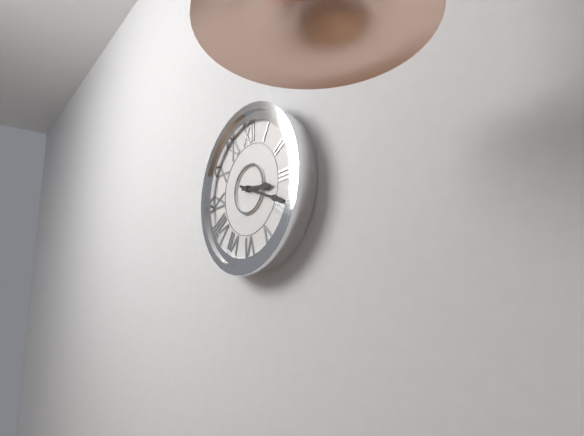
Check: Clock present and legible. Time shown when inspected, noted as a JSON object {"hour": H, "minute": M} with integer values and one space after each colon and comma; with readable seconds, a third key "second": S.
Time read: {"hour": 3, "minute": 19}
